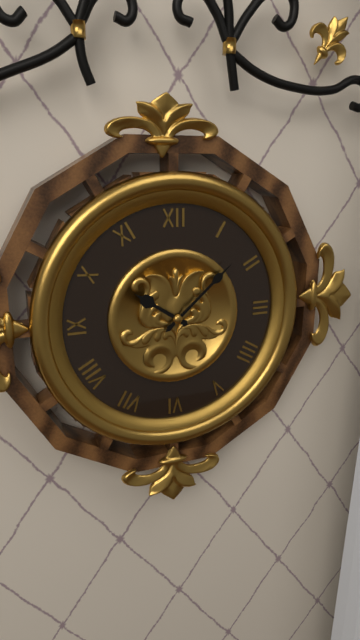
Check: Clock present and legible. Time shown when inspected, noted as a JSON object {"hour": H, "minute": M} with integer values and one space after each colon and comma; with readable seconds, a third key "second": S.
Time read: {"hour": 10, "minute": 8}
